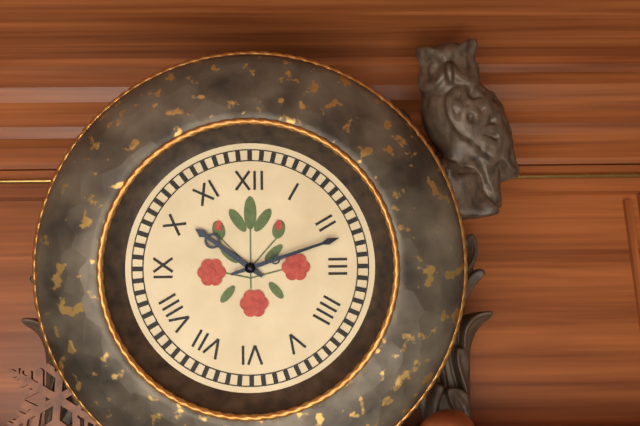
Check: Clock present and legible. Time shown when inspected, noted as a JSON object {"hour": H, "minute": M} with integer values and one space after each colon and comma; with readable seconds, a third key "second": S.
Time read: {"hour": 10, "minute": 12}
